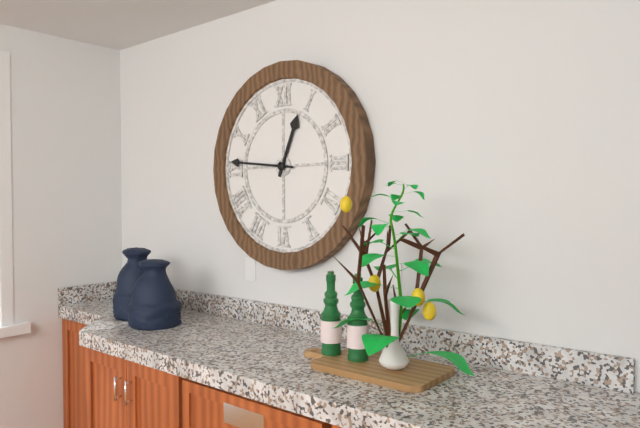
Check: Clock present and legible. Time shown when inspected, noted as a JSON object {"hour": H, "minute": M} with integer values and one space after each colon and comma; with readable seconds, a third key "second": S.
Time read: {"hour": 12, "minute": 46}
